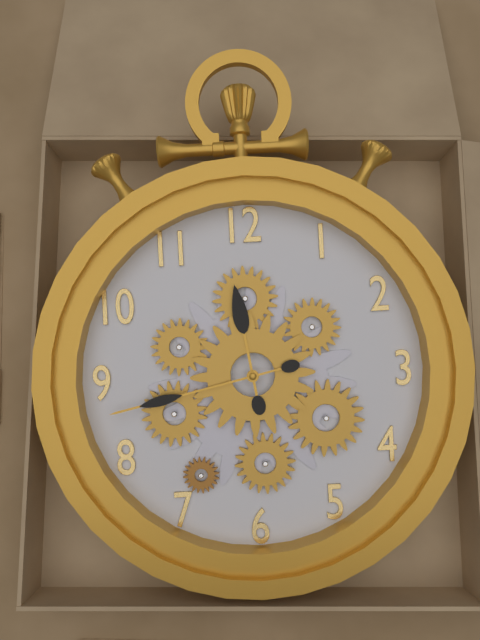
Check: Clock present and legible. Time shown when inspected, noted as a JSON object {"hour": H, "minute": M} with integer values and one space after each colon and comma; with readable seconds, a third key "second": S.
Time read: {"hour": 11, "minute": 43}
